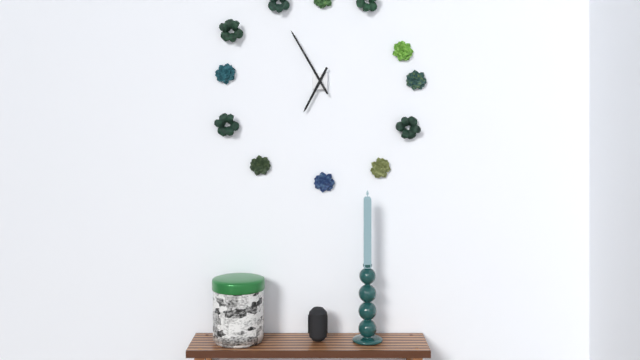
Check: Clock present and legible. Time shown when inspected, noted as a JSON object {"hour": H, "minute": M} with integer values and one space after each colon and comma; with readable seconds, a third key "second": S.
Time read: {"hour": 6, "minute": 55}
